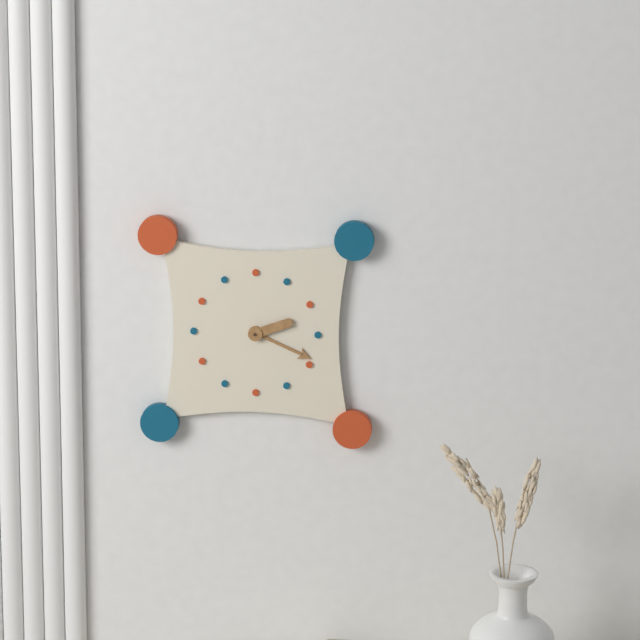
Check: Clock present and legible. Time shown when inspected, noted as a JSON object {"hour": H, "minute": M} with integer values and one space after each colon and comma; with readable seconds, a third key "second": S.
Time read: {"hour": 2, "minute": 19}
